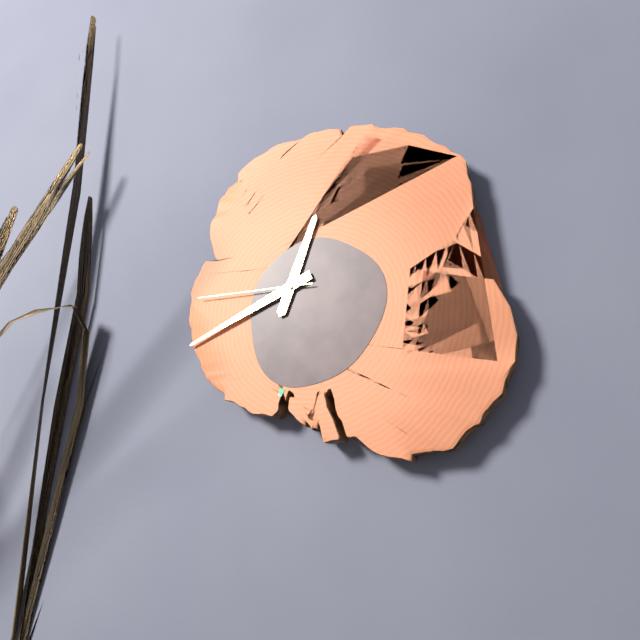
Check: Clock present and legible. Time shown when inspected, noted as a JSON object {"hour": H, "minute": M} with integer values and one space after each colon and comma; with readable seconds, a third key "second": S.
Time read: {"hour": 12, "minute": 41, "second": 45}
